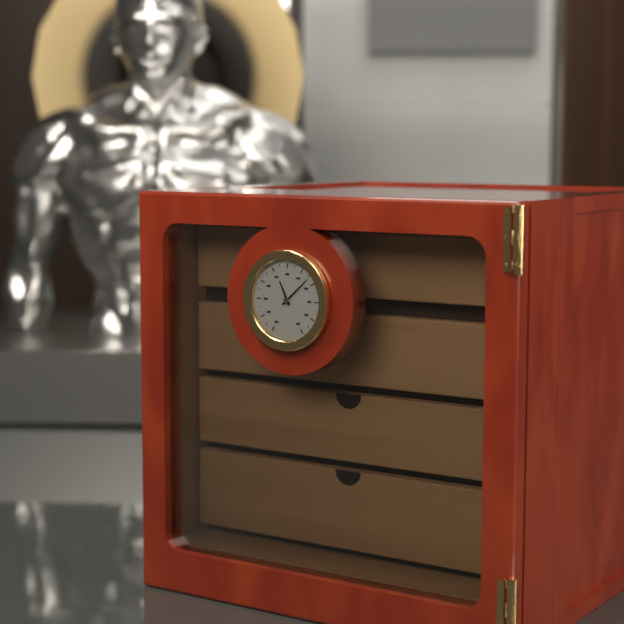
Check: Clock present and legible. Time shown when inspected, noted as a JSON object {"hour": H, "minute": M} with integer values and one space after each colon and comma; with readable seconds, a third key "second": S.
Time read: {"hour": 11, "minute": 8}
